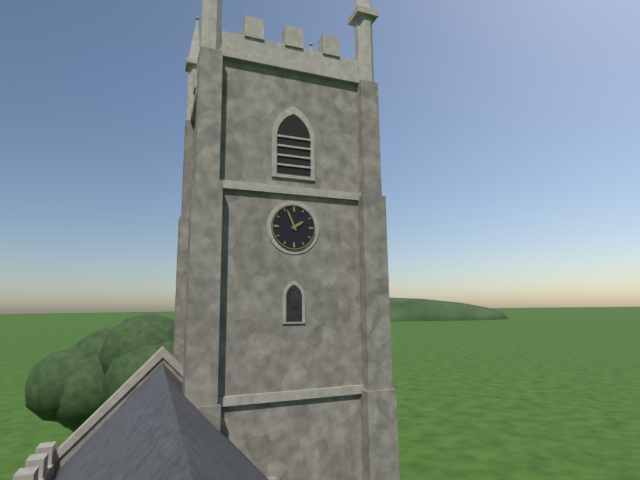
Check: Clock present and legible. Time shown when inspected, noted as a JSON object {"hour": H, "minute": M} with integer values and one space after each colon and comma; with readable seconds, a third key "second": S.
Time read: {"hour": 1, "minute": 56}
